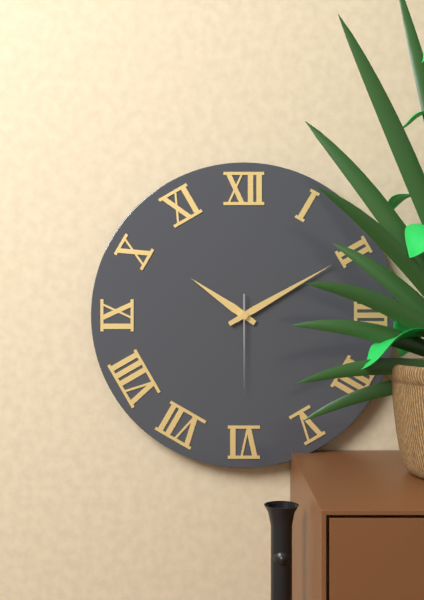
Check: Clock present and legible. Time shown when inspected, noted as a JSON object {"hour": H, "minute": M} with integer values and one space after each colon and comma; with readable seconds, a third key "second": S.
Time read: {"hour": 10, "minute": 10, "second": 30}
